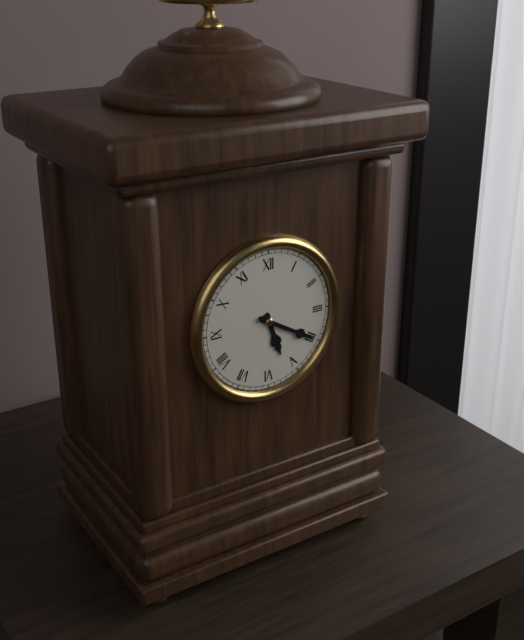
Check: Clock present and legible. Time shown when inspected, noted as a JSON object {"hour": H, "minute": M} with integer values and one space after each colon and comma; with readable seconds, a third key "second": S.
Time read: {"hour": 5, "minute": 20}
